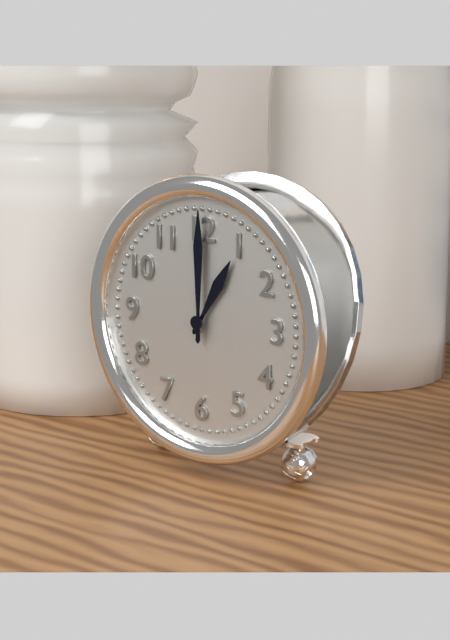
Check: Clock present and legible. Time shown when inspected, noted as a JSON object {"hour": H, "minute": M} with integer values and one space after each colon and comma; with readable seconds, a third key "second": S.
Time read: {"hour": 1, "minute": 0}
